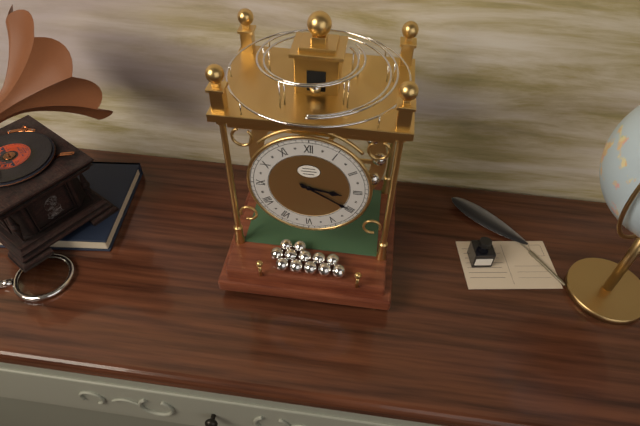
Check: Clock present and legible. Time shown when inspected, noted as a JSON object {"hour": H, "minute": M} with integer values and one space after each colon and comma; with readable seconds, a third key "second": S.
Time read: {"hour": 3, "minute": 20}
